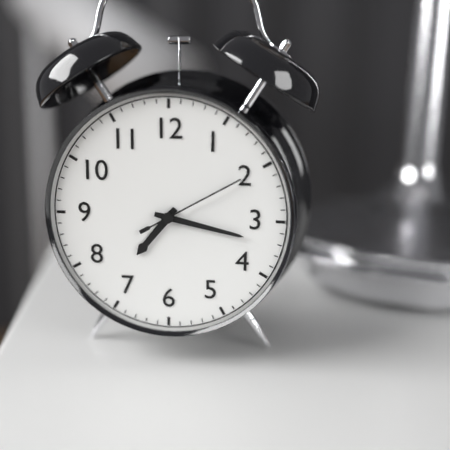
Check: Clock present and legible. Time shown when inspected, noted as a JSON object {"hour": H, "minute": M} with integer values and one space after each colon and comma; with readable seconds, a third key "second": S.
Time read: {"hour": 7, "minute": 17, "second": 10}
